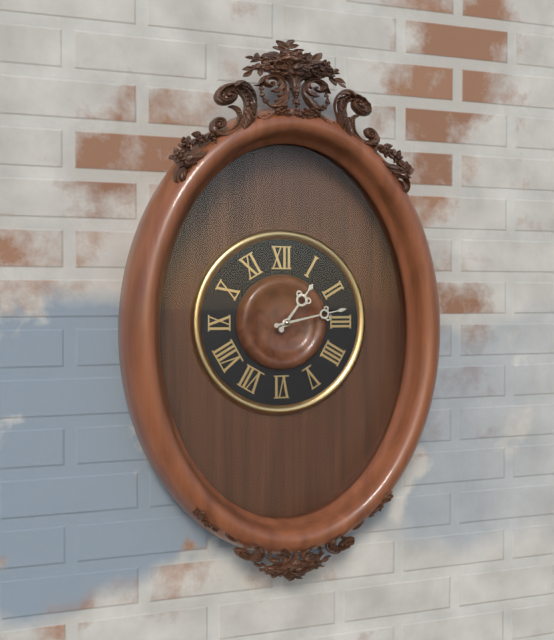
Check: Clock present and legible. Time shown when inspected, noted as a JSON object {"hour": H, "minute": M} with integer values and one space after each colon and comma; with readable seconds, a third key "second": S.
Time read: {"hour": 1, "minute": 13}
